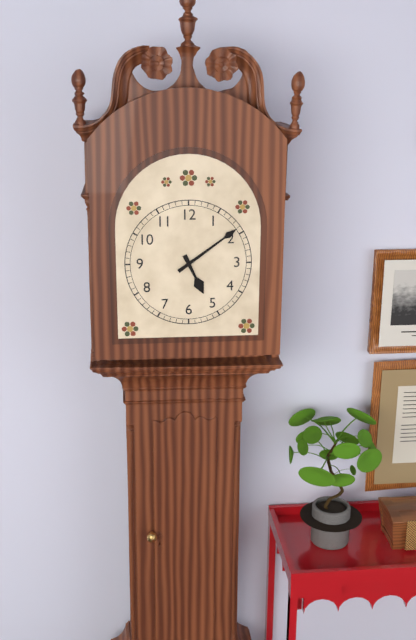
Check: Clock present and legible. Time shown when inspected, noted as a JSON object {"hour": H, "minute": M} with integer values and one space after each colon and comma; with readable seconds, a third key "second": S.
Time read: {"hour": 5, "minute": 9}
